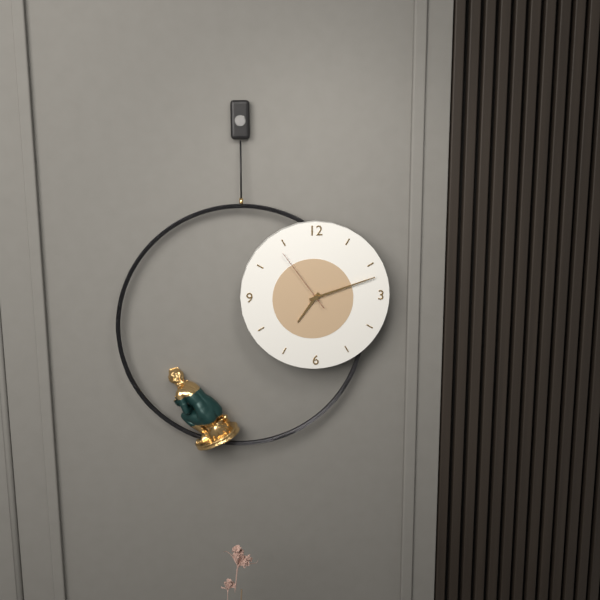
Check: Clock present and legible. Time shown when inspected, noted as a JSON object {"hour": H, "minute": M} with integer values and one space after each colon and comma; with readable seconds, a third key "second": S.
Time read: {"hour": 7, "minute": 12, "second": 54}
